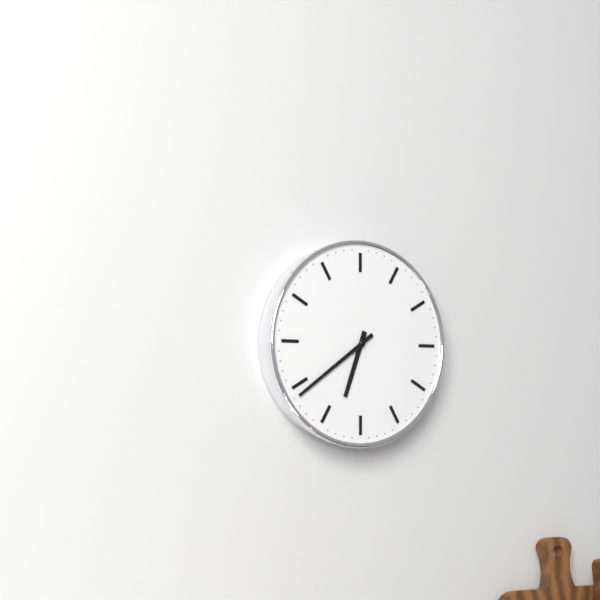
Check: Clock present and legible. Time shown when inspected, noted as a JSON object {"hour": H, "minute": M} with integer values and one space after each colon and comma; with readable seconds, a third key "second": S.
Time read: {"hour": 6, "minute": 39}
